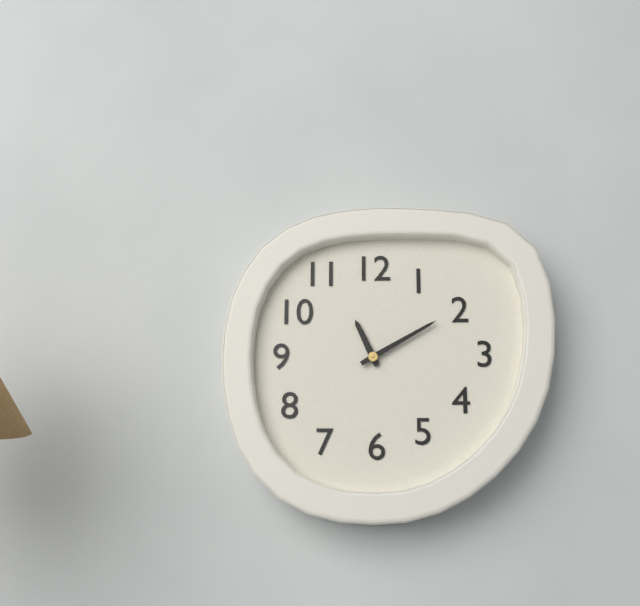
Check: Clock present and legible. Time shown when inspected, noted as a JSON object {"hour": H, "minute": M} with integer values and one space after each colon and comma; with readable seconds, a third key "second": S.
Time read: {"hour": 11, "minute": 10}
